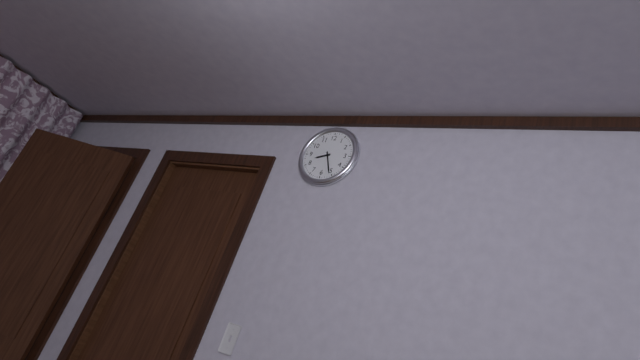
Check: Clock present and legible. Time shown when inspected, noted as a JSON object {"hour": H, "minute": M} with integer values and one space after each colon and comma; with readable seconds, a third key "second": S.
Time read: {"hour": 8, "minute": 26}
